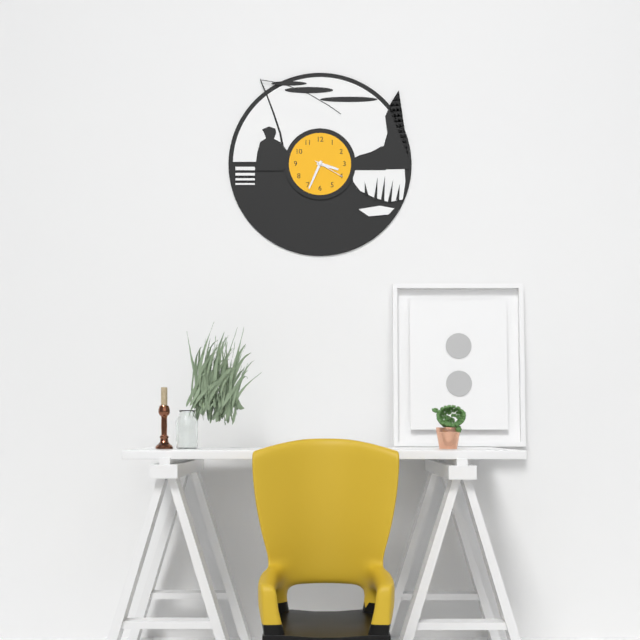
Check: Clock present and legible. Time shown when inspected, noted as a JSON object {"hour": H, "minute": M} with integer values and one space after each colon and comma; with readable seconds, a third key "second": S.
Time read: {"hour": 3, "minute": 34}
